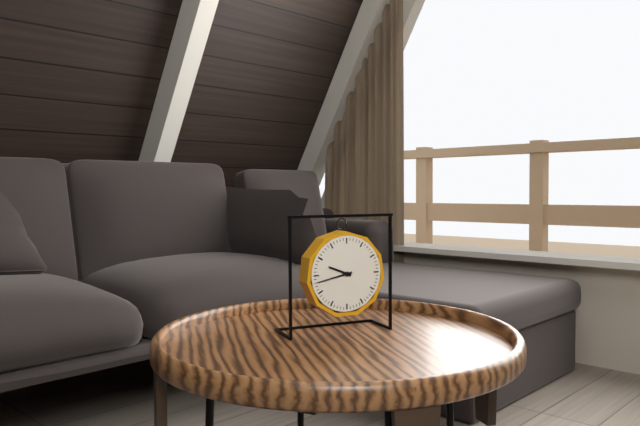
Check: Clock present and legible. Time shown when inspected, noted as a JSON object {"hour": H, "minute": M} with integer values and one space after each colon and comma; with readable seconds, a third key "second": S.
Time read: {"hour": 9, "minute": 43}
